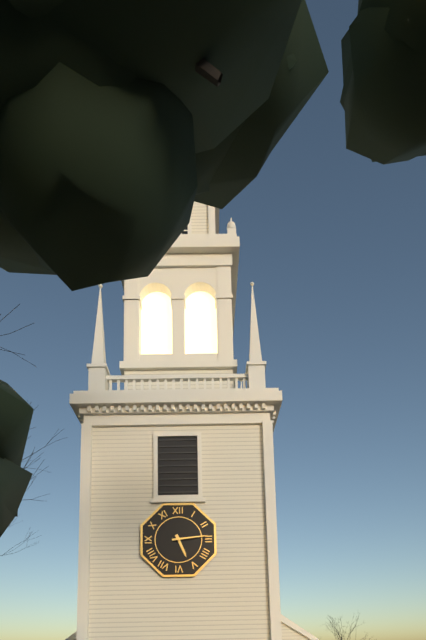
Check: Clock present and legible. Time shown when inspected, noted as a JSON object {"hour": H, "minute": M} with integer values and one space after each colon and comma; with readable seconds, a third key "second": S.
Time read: {"hour": 5, "minute": 14}
